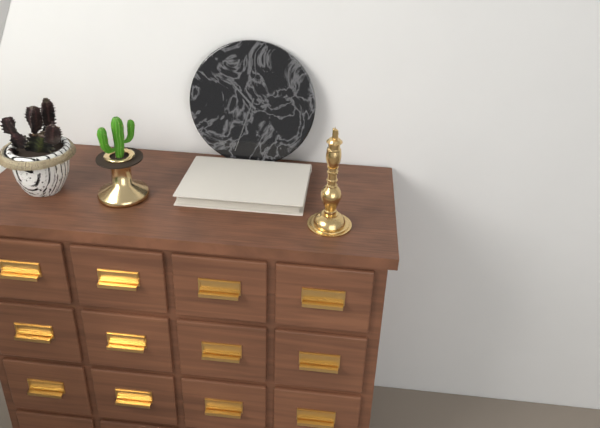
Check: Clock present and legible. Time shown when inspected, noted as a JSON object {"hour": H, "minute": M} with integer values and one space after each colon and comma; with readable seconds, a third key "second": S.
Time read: {"hour": 10, "minute": 33}
